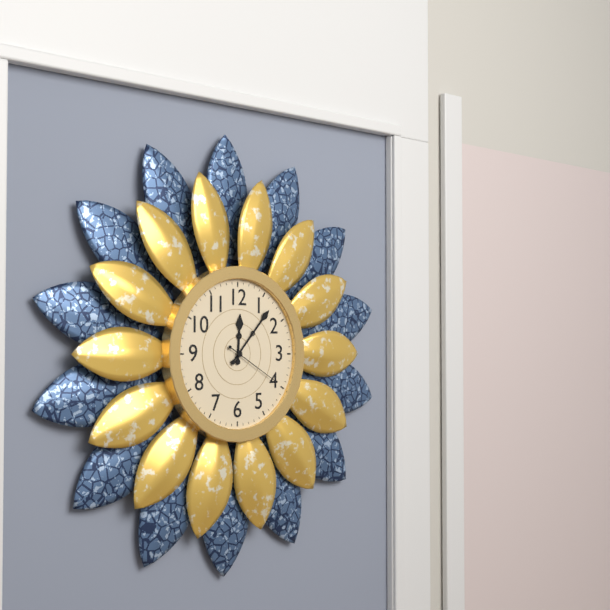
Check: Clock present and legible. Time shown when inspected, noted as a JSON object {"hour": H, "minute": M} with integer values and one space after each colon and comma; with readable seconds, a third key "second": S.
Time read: {"hour": 12, "minute": 7, "second": 20}
